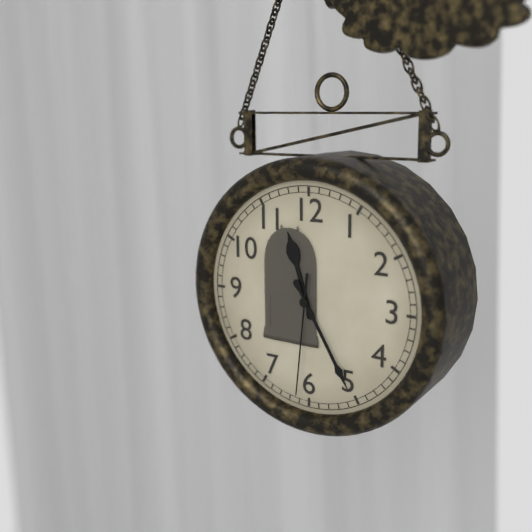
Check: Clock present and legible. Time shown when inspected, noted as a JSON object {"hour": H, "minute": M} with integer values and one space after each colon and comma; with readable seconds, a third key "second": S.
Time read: {"hour": 11, "minute": 25, "second": 31}
